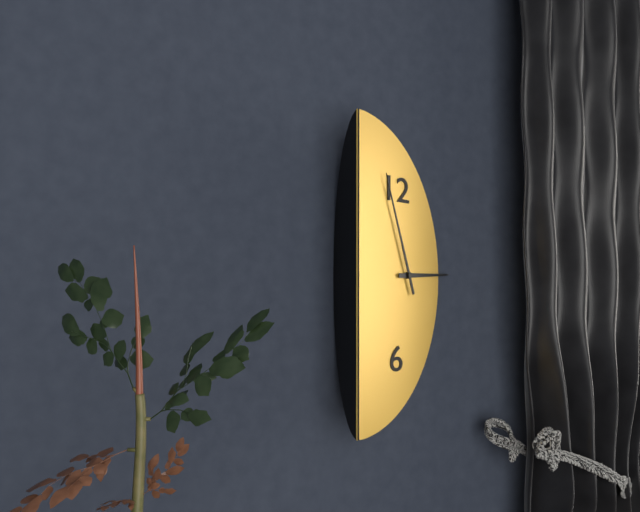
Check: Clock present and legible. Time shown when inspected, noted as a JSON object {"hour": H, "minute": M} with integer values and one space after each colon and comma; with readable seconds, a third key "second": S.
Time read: {"hour": 2, "minute": 56}
